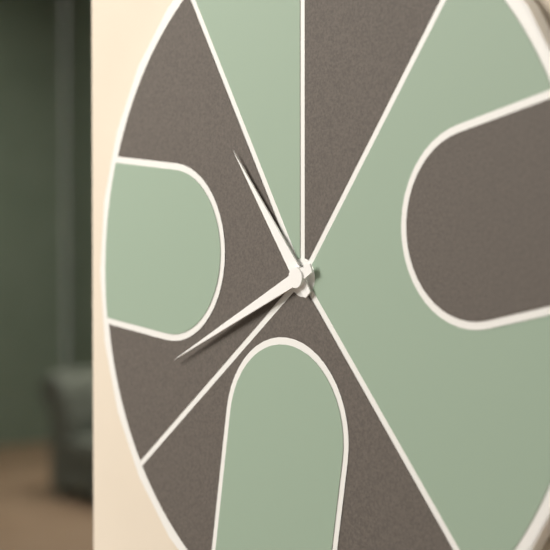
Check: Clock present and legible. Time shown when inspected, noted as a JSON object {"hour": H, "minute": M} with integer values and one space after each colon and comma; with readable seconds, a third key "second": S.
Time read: {"hour": 10, "minute": 41}
